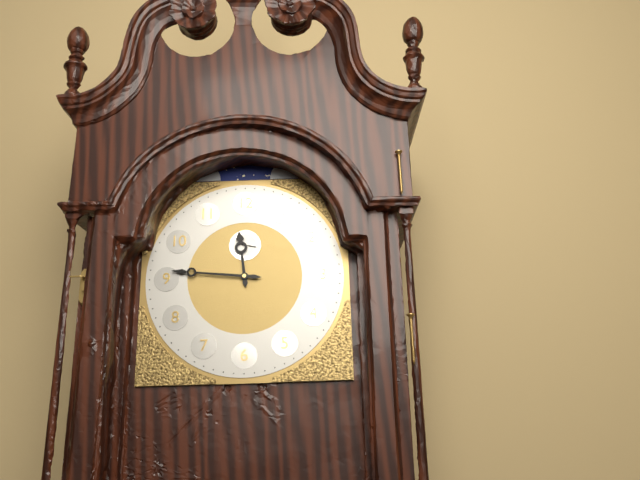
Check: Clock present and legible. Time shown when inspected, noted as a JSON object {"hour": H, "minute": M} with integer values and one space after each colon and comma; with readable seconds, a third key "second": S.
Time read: {"hour": 11, "minute": 46}
